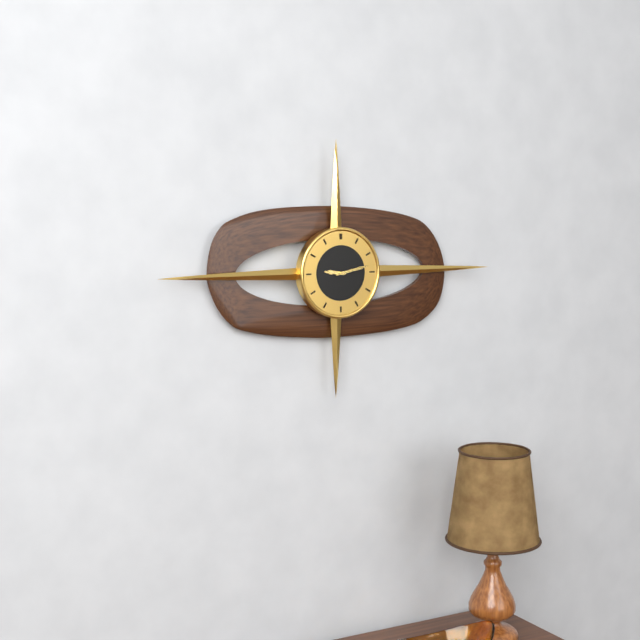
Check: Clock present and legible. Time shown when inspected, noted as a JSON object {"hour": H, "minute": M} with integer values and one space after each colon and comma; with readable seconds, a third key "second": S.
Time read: {"hour": 9, "minute": 13}
